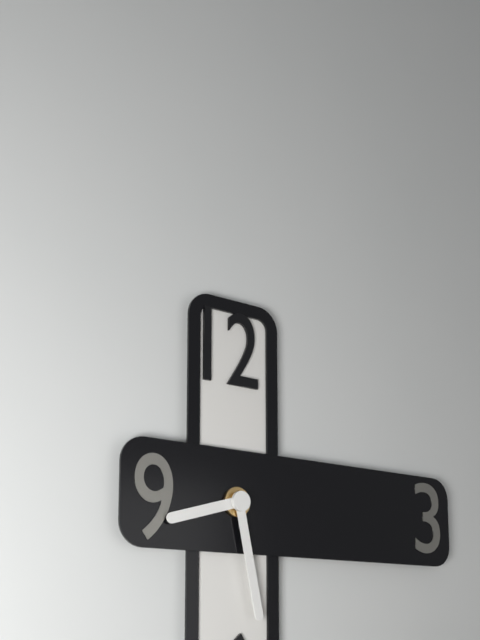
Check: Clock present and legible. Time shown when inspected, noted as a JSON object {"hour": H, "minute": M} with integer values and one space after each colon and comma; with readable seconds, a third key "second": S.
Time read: {"hour": 8, "minute": 28}
